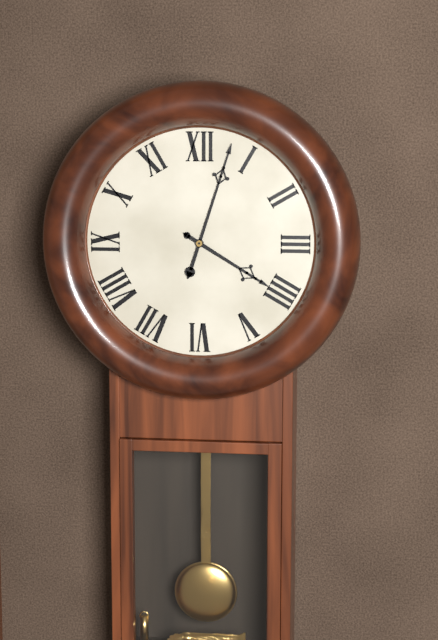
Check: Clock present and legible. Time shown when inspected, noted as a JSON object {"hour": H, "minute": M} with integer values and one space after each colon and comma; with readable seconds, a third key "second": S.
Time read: {"hour": 4, "minute": 3}
